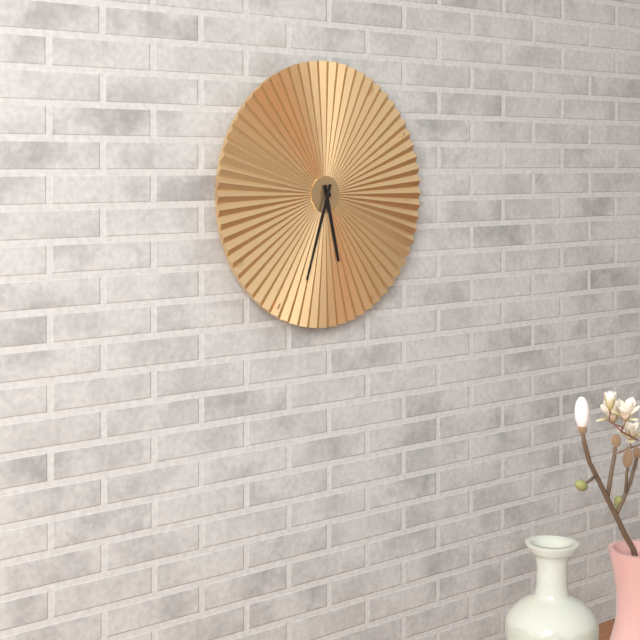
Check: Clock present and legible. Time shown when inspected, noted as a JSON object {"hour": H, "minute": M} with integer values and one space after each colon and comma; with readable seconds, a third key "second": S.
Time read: {"hour": 5, "minute": 33}
